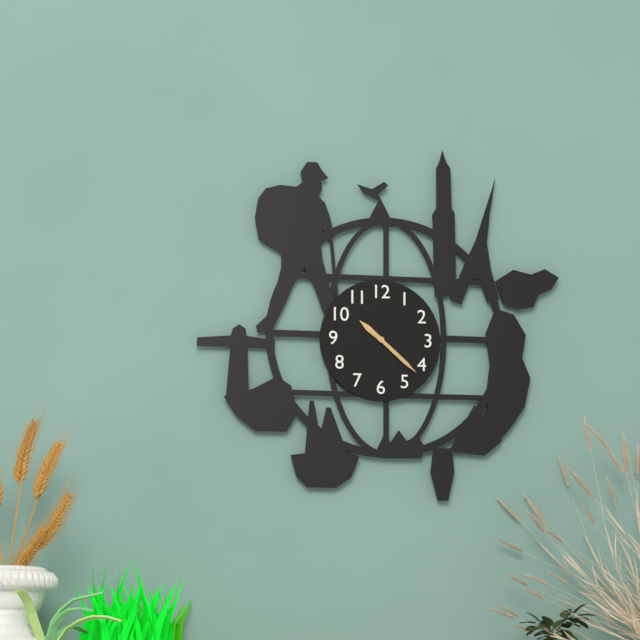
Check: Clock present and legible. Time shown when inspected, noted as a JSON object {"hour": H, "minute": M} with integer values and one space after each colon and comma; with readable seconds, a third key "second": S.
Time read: {"hour": 10, "minute": 22}
